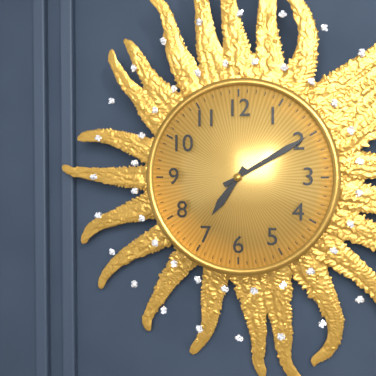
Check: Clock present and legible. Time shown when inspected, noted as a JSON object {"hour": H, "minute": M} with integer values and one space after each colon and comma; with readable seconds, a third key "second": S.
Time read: {"hour": 7, "minute": 10}
